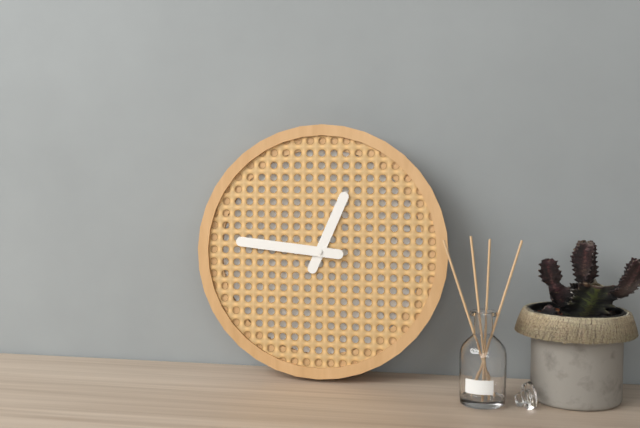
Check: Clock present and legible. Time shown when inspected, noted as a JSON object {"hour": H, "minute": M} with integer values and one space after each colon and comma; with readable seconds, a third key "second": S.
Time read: {"hour": 12, "minute": 46}
